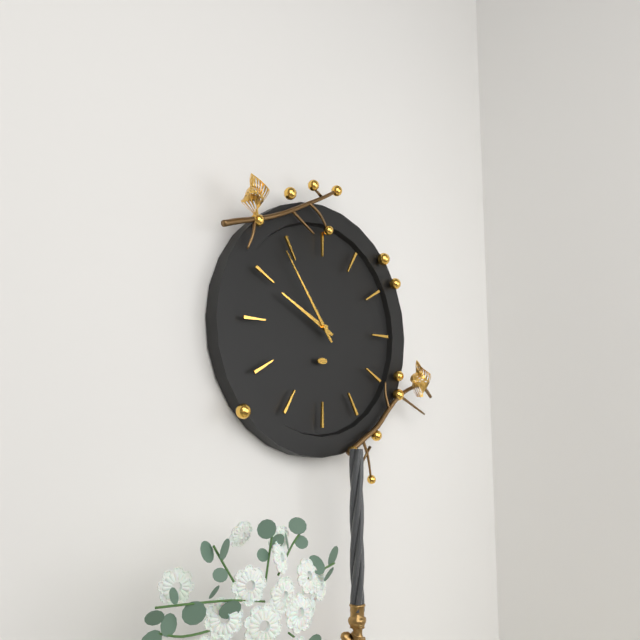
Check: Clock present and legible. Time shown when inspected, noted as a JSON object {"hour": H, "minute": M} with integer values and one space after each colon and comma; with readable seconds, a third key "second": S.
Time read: {"hour": 9, "minute": 54}
